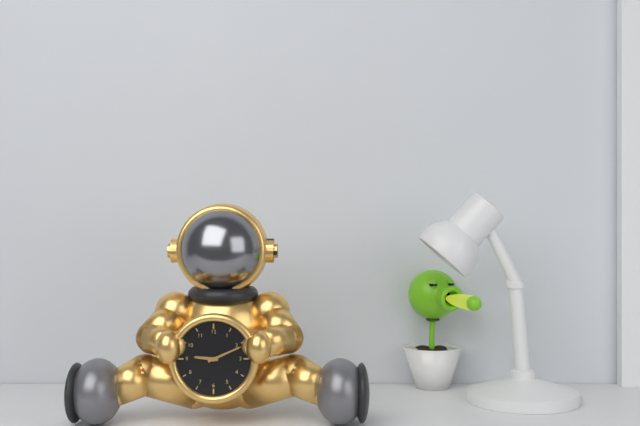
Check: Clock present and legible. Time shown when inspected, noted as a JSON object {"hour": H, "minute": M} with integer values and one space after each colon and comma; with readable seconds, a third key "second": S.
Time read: {"hour": 9, "minute": 11}
